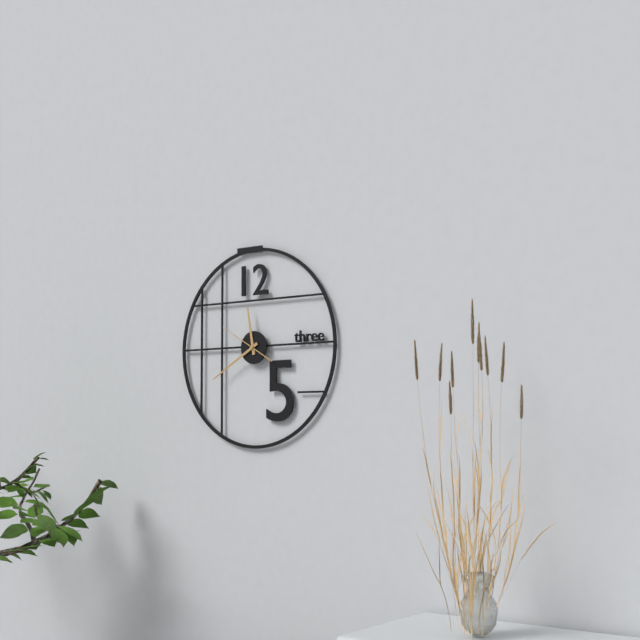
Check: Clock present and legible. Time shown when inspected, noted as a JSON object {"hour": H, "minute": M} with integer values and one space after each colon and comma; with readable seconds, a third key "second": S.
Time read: {"hour": 11, "minute": 40}
